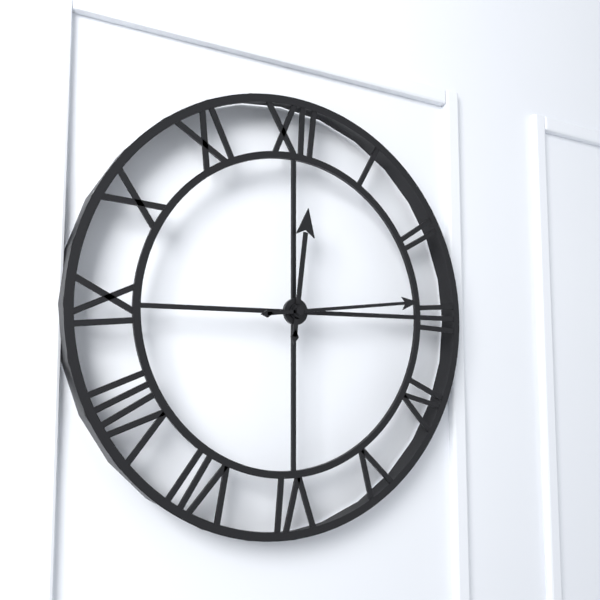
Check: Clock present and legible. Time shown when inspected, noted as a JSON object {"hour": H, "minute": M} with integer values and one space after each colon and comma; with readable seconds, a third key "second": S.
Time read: {"hour": 12, "minute": 14}
